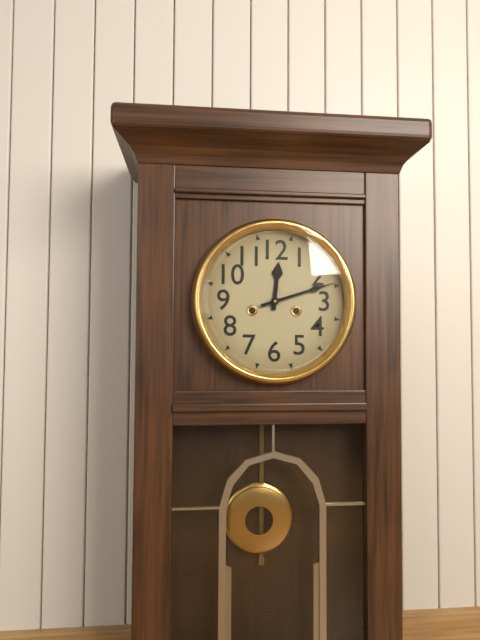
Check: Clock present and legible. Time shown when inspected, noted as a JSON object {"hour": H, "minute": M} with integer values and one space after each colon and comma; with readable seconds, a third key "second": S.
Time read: {"hour": 12, "minute": 12}
